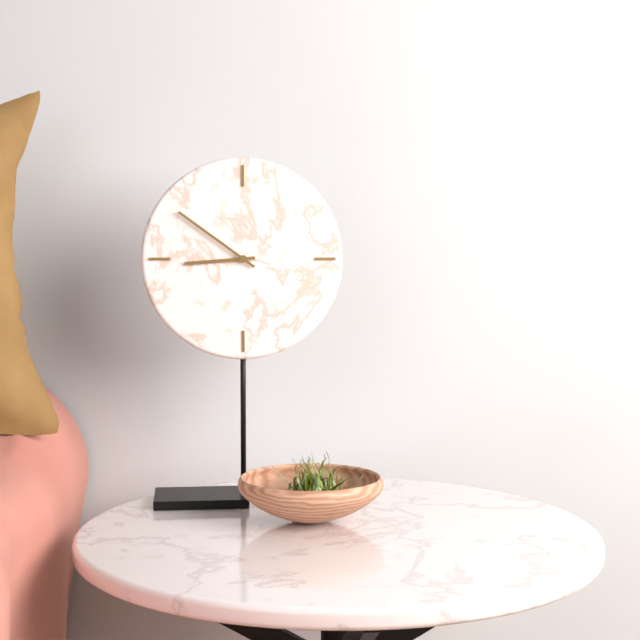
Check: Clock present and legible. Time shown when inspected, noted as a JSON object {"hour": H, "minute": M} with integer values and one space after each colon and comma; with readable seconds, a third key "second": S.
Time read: {"hour": 8, "minute": 51}
